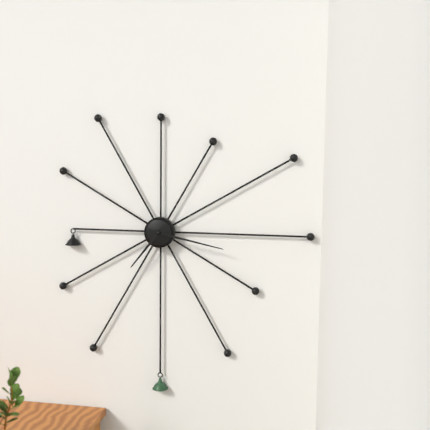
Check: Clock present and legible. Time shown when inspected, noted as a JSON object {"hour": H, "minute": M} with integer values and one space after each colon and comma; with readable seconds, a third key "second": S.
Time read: {"hour": 7, "minute": 17}
